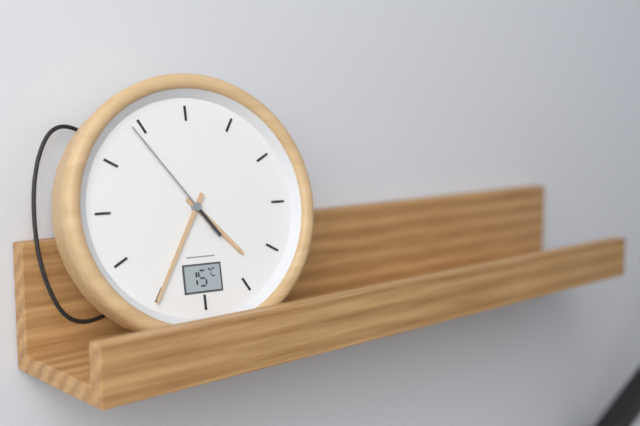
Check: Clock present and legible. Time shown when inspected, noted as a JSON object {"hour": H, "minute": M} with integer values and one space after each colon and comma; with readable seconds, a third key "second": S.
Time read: {"hour": 4, "minute": 35, "second": 54}
